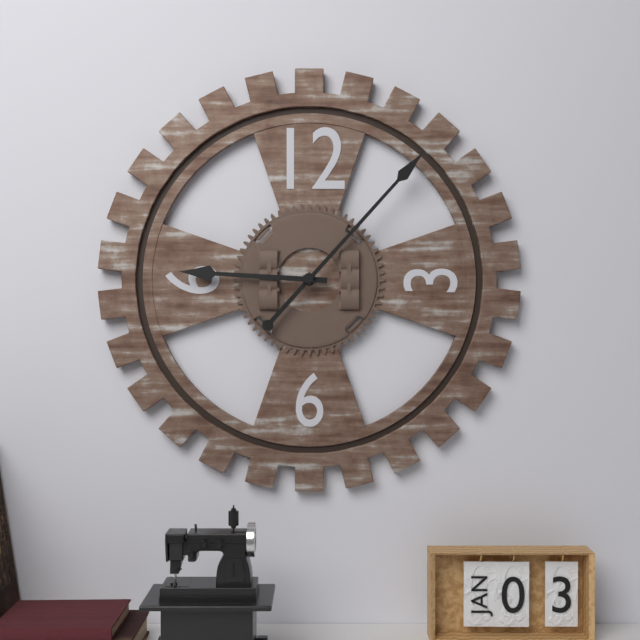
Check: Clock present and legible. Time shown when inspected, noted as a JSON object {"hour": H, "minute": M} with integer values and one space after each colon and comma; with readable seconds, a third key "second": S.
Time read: {"hour": 9, "minute": 7}
